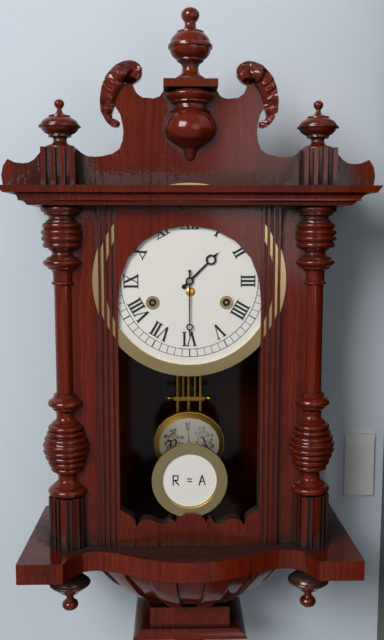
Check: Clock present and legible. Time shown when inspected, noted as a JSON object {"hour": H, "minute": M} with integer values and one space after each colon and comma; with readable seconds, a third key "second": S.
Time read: {"hour": 1, "minute": 30}
